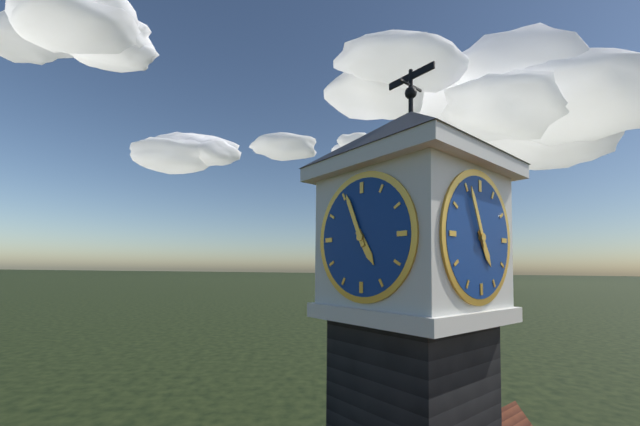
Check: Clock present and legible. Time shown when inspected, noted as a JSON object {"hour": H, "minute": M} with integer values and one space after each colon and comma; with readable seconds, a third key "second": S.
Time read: {"hour": 4, "minute": 56}
